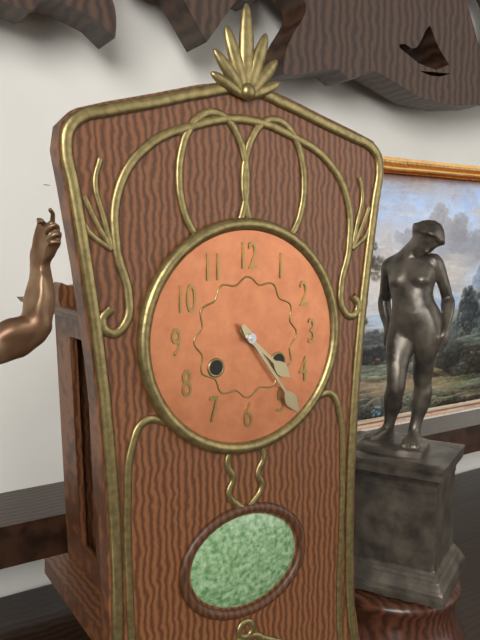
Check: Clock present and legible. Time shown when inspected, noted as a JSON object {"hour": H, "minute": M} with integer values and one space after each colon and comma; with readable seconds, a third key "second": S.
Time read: {"hour": 4, "minute": 24}
